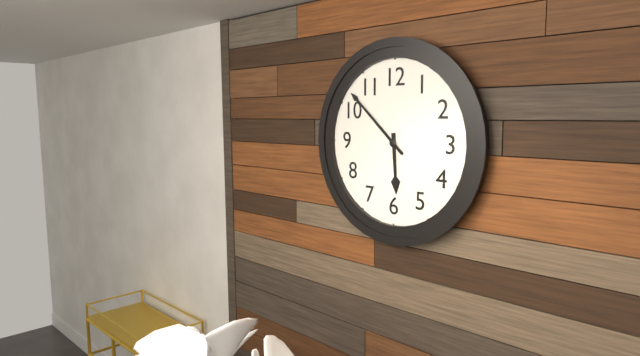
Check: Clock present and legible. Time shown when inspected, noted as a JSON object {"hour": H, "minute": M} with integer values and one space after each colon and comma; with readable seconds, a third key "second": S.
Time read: {"hour": 5, "minute": 52}
